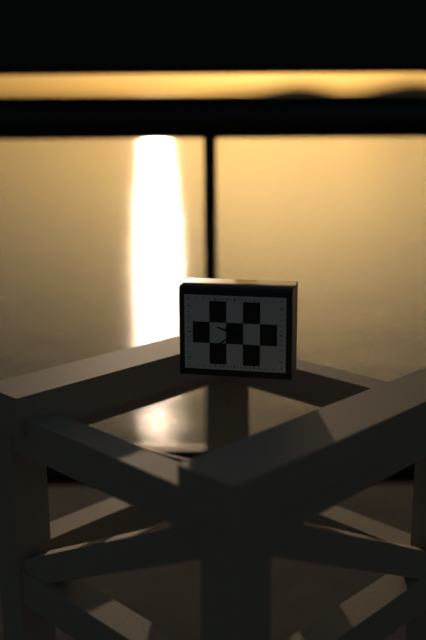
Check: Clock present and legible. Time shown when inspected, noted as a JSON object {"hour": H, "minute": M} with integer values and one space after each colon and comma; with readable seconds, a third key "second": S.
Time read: {"hour": 9, "minute": 39}
